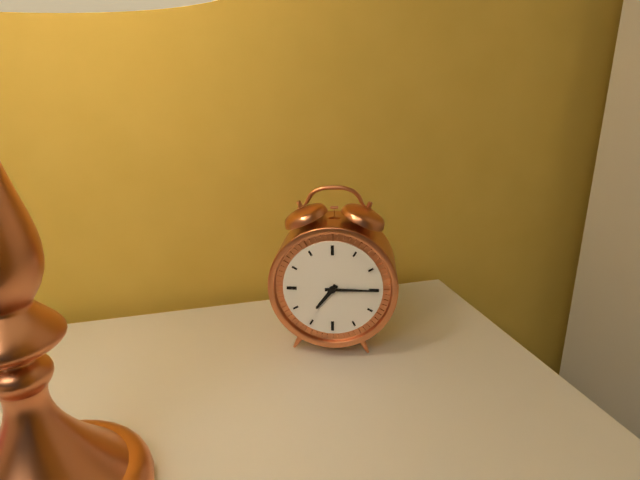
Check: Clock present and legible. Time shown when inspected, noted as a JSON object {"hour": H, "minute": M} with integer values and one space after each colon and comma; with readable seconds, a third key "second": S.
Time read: {"hour": 7, "minute": 15}
